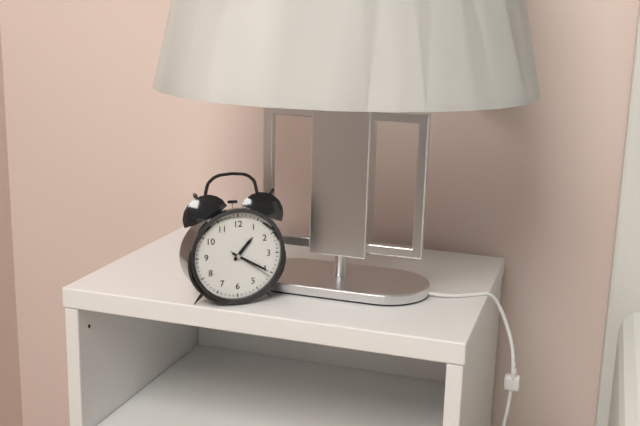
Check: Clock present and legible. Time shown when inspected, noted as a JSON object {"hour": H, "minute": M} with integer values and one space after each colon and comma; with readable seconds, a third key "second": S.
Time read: {"hour": 1, "minute": 20}
